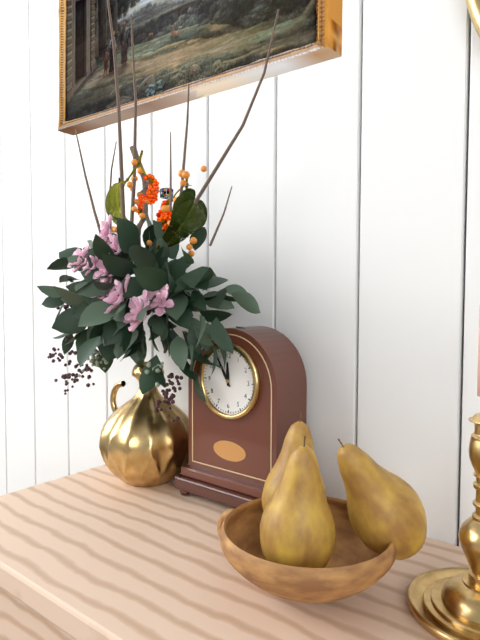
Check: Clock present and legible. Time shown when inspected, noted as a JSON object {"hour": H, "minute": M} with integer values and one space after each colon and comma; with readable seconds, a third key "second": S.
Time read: {"hour": 11, "minute": 55}
